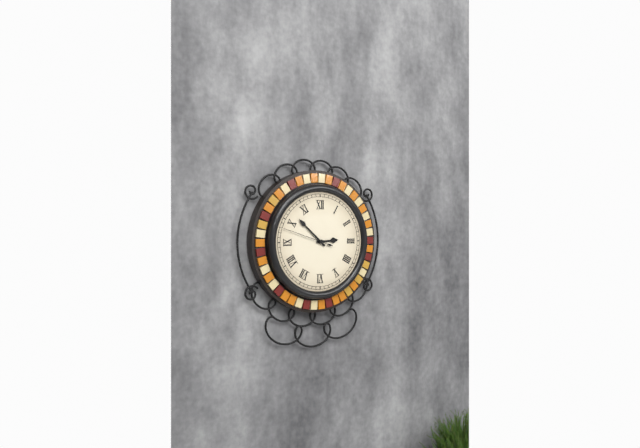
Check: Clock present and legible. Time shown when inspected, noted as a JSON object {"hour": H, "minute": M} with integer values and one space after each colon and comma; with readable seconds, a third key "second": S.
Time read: {"hour": 2, "minute": 52}
